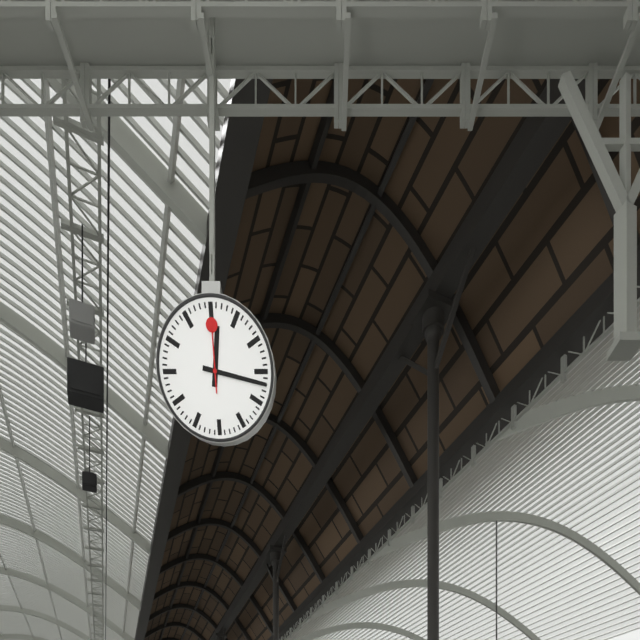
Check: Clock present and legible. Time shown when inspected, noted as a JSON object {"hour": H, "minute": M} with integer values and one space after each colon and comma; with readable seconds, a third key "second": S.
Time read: {"hour": 12, "minute": 17, "second": 0}
